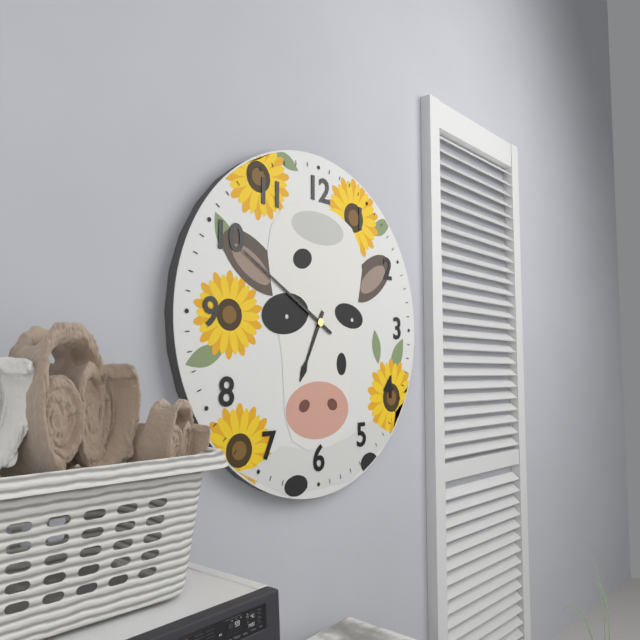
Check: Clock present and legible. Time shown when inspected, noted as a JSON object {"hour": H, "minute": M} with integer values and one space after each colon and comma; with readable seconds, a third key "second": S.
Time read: {"hour": 6, "minute": 50}
